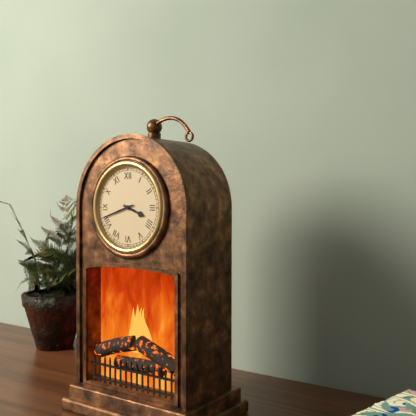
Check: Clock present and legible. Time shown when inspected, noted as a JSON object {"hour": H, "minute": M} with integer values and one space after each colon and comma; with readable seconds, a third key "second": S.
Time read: {"hour": 3, "minute": 42}
